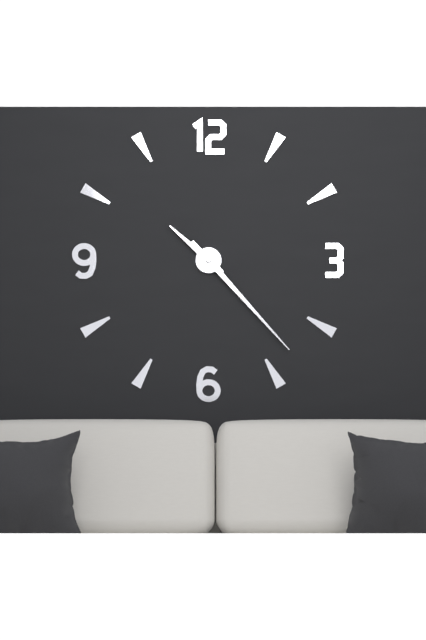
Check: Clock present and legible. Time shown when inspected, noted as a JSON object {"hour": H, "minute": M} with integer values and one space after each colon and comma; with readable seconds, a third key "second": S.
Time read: {"hour": 10, "minute": 23}
